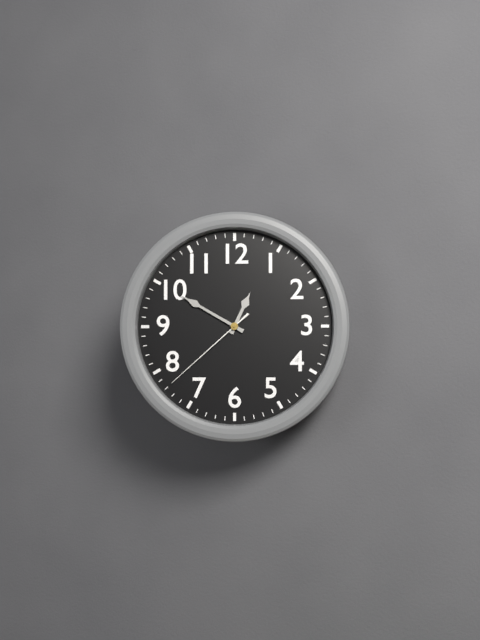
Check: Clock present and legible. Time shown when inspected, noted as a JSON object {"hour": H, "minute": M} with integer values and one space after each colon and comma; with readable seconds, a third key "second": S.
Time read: {"hour": 12, "minute": 50, "second": 38}
